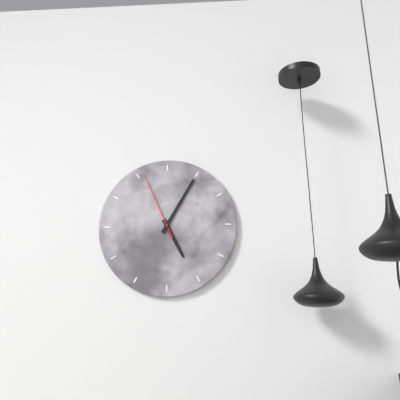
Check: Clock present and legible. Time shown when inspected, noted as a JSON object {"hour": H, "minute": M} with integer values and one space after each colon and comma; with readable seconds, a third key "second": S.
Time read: {"hour": 5, "minute": 5, "second": 56}
